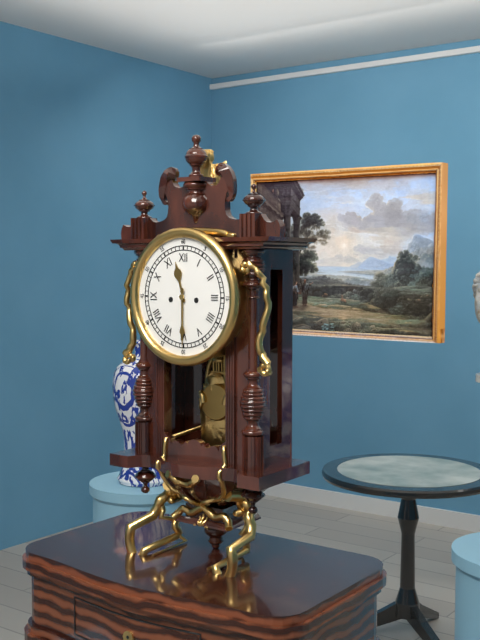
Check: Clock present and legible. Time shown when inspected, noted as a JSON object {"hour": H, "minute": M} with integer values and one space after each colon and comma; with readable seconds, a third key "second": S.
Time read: {"hour": 11, "minute": 30}
